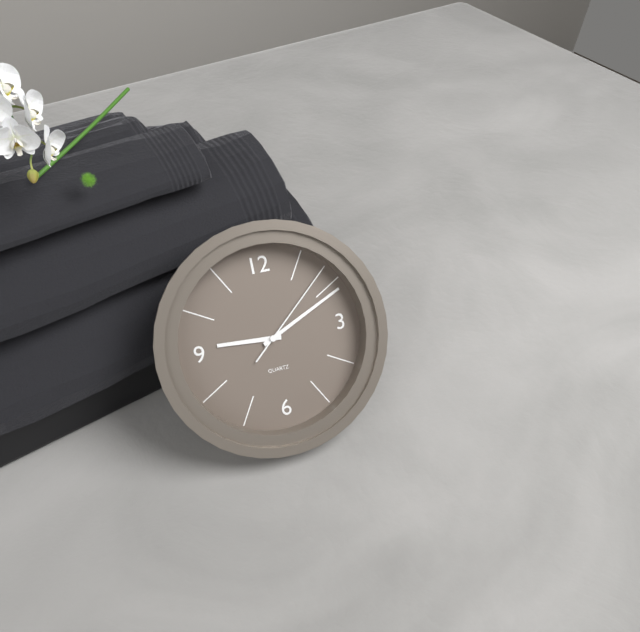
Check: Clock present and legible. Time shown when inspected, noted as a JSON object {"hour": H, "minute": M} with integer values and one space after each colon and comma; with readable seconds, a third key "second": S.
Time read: {"hour": 9, "minute": 11, "second": 8}
